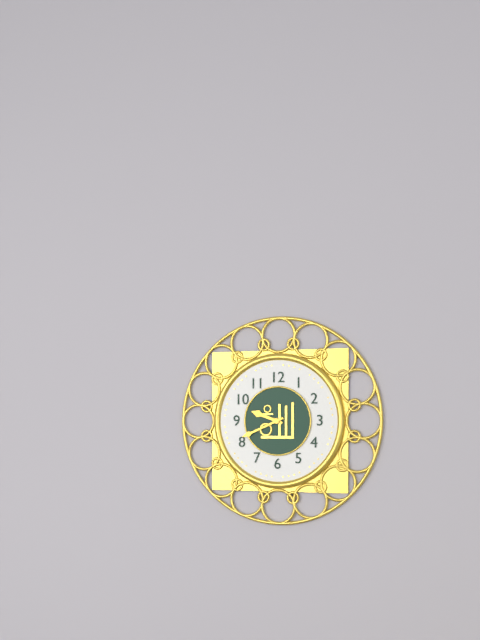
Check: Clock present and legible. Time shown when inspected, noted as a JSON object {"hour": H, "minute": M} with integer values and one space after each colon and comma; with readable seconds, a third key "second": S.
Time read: {"hour": 9, "minute": 41}
